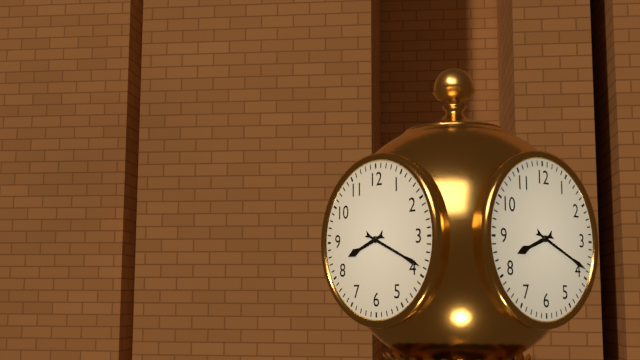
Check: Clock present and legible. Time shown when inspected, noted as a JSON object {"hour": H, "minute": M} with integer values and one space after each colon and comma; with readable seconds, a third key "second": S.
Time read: {"hour": 8, "minute": 19}
